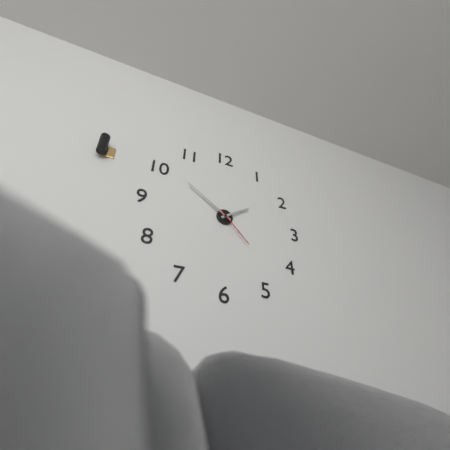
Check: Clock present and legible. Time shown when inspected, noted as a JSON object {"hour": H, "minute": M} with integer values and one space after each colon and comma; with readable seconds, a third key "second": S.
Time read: {"hour": 1, "minute": 51}
